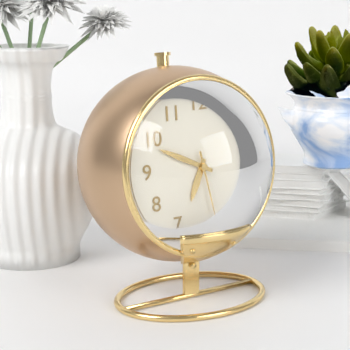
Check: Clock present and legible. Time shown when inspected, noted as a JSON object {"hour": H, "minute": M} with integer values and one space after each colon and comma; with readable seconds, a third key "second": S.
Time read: {"hour": 6, "minute": 49, "second": 28}
